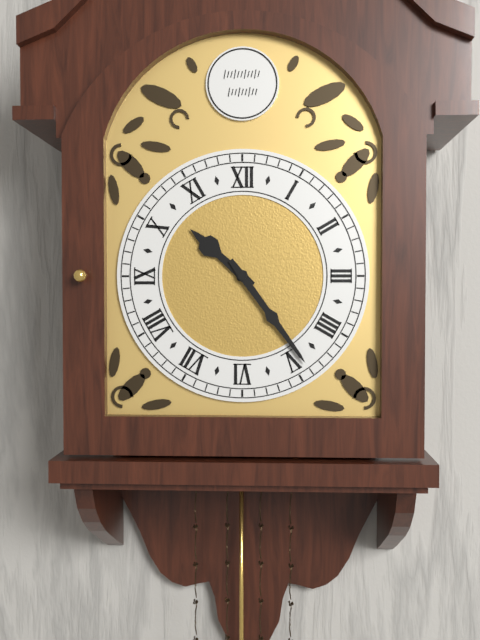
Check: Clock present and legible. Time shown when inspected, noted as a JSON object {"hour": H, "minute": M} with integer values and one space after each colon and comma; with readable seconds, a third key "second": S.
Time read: {"hour": 10, "minute": 24}
